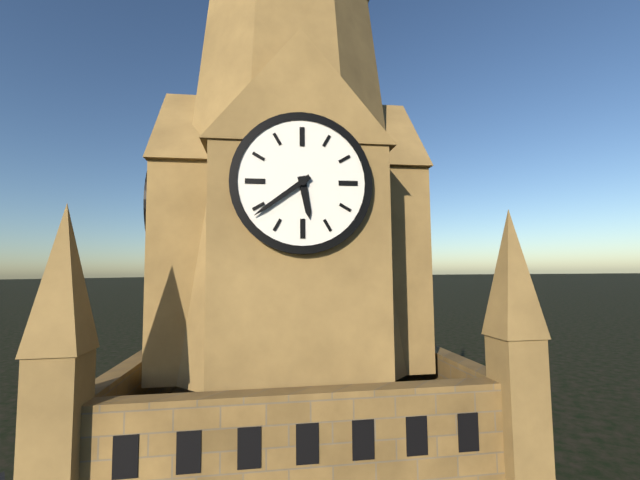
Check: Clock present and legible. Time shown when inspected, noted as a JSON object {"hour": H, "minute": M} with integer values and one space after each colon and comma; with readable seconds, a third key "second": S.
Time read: {"hour": 5, "minute": 39}
